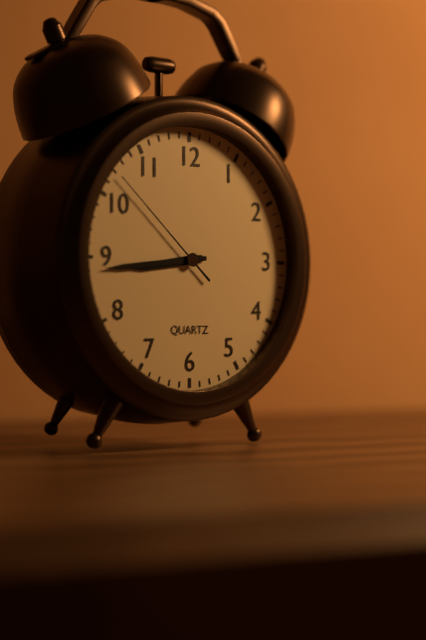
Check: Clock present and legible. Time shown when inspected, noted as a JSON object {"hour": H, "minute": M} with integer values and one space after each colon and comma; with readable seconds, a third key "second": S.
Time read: {"hour": 8, "minute": 44, "second": 52}
